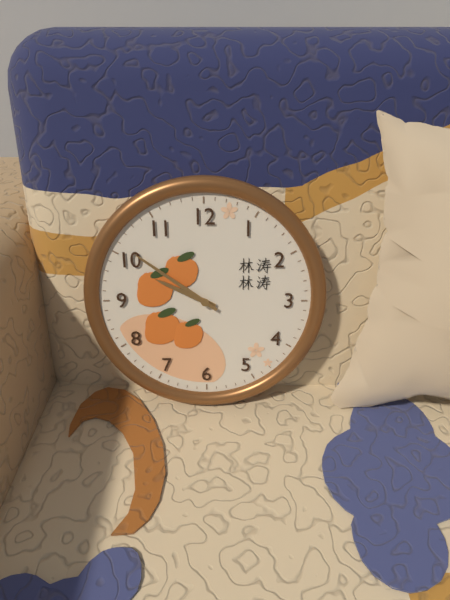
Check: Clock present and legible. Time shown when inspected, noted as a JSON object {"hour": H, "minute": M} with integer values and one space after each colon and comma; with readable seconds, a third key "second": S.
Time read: {"hour": 9, "minute": 51}
